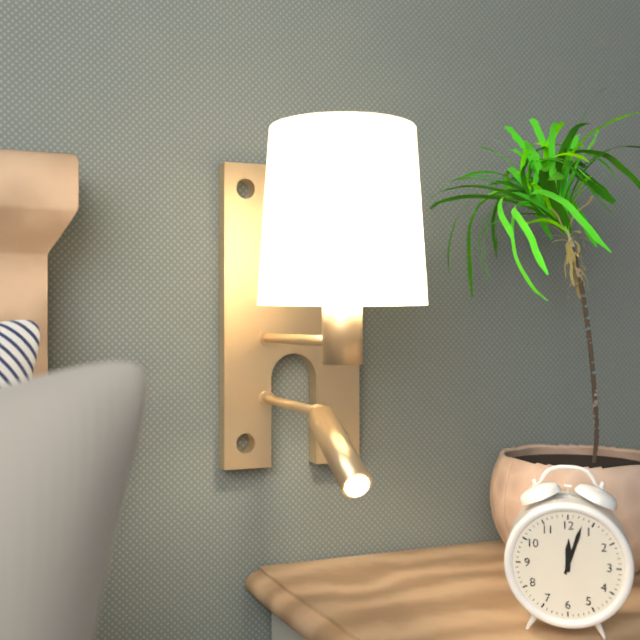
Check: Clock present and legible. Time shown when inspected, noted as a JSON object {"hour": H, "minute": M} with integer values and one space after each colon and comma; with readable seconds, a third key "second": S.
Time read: {"hour": 12, "minute": 3}
